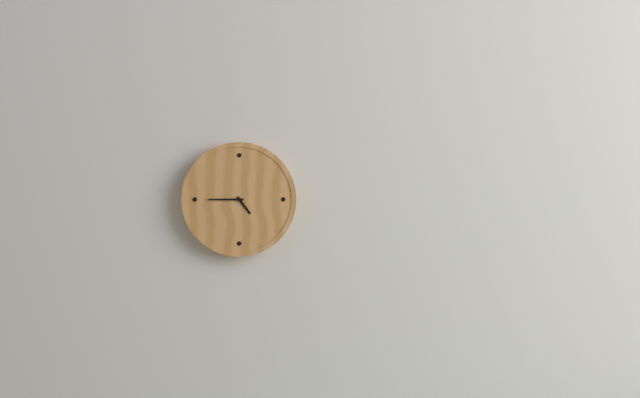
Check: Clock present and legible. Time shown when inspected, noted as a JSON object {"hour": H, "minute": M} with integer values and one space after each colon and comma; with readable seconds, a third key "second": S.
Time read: {"hour": 4, "minute": 45}
